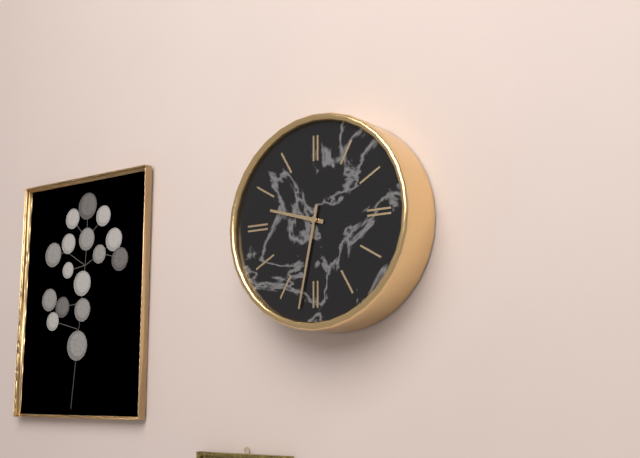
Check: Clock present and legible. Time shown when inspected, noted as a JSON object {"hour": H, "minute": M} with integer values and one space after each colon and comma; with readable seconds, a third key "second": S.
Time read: {"hour": 9, "minute": 32}
